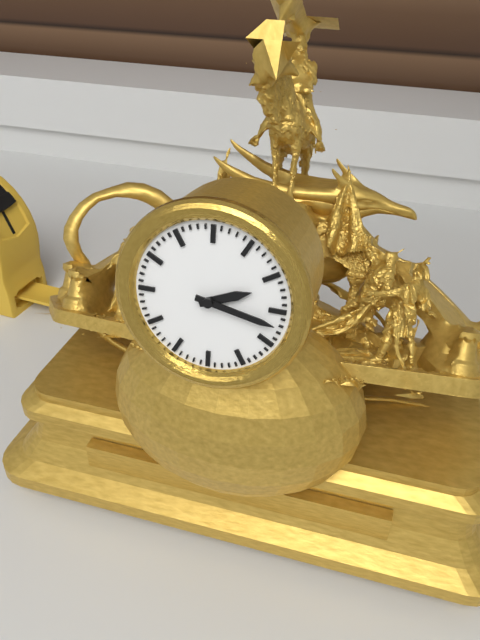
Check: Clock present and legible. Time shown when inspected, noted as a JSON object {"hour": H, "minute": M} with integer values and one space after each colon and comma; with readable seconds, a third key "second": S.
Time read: {"hour": 2, "minute": 17}
